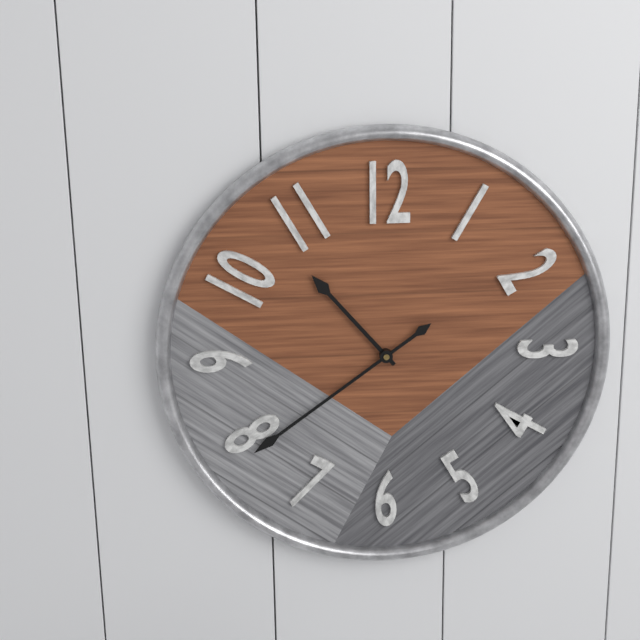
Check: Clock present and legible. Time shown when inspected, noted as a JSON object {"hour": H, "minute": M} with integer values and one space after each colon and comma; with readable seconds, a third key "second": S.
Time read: {"hour": 10, "minute": 39}
